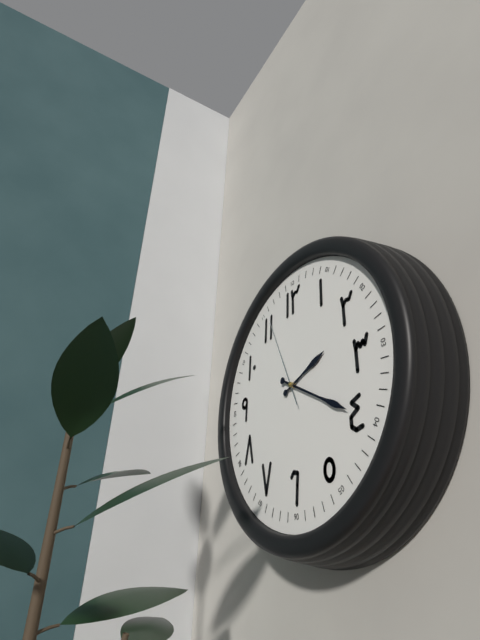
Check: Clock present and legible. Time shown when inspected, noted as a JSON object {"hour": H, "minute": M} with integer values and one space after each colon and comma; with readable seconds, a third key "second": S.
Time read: {"hour": 2, "minute": 20, "second": 56}
